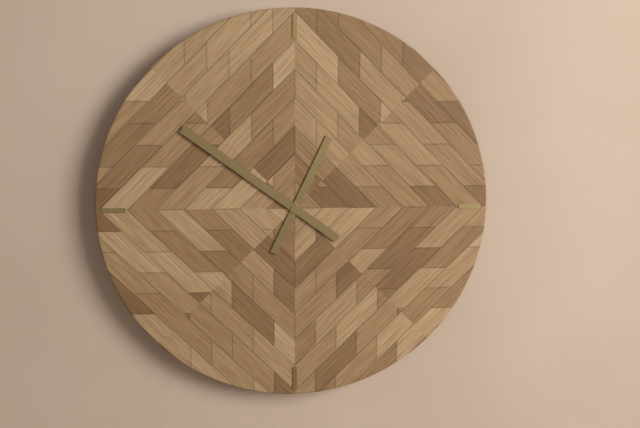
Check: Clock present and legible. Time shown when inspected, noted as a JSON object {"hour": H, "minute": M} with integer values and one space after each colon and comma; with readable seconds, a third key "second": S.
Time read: {"hour": 12, "minute": 51}
